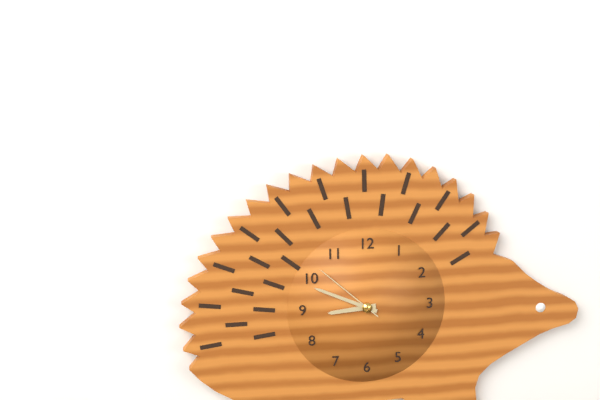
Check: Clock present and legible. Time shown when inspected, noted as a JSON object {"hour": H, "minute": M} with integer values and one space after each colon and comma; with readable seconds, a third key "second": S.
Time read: {"hour": 8, "minute": 49, "second": 52}
